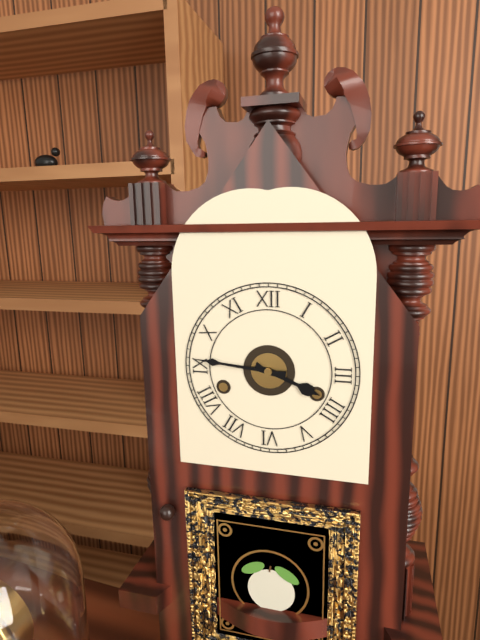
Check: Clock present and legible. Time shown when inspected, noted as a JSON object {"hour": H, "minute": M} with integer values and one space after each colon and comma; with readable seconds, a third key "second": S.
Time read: {"hour": 3, "minute": 46}
